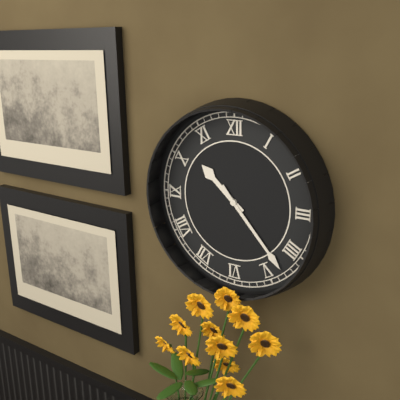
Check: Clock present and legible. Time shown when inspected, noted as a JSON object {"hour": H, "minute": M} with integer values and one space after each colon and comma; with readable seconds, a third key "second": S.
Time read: {"hour": 10, "minute": 23}
